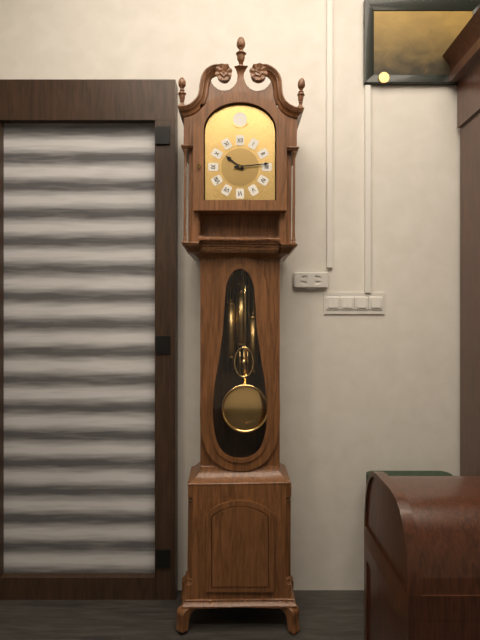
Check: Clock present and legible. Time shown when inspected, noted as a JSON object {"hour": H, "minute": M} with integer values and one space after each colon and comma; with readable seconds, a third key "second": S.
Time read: {"hour": 10, "minute": 14}
